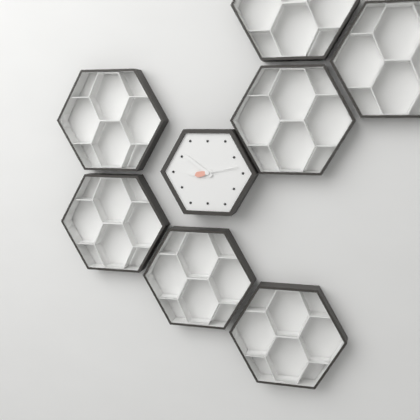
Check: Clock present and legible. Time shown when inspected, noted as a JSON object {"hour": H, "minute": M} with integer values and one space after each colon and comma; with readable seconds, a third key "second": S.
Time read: {"hour": 8, "minute": 51}
